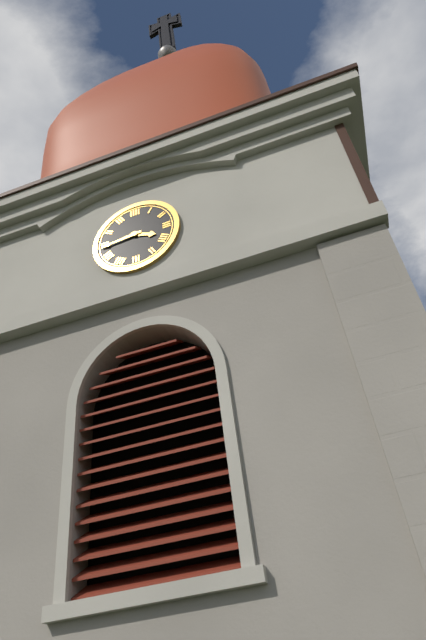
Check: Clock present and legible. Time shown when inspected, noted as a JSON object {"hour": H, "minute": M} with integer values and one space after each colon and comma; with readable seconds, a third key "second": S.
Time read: {"hour": 3, "minute": 44}
